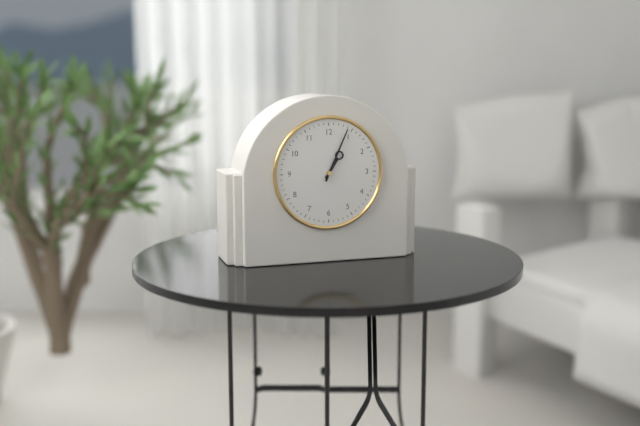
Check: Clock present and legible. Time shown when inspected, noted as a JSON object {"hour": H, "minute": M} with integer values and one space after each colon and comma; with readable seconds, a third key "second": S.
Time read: {"hour": 1, "minute": 4}
